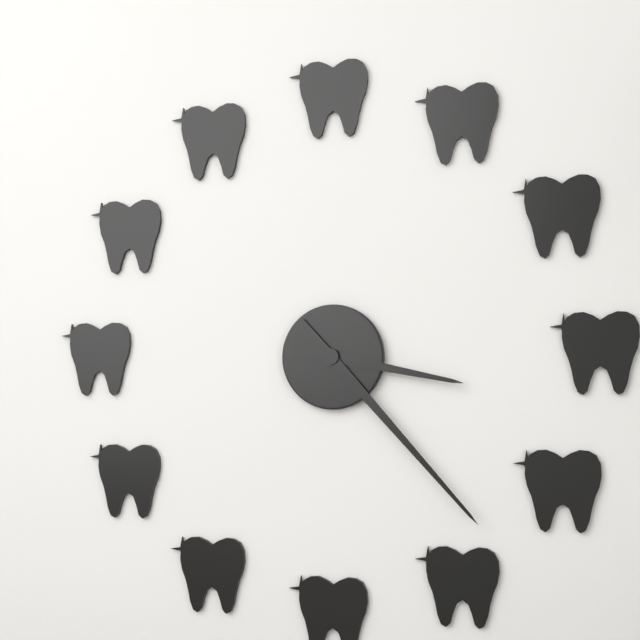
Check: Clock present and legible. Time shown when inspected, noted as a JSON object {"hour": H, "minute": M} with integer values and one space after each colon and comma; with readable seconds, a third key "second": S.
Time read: {"hour": 3, "minute": 23}
